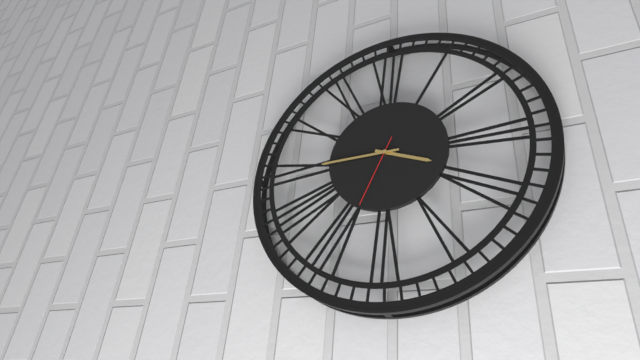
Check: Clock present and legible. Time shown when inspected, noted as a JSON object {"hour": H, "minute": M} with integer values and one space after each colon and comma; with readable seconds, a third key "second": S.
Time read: {"hour": 3, "minute": 45, "second": 34}
